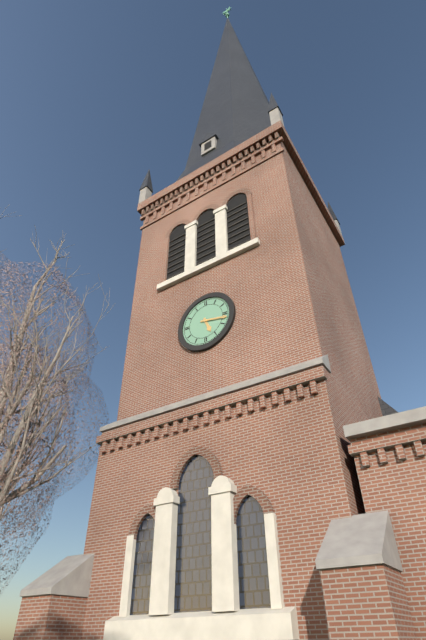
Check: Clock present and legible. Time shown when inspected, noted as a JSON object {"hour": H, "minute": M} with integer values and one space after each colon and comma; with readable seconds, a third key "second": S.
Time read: {"hour": 5, "minute": 17}
